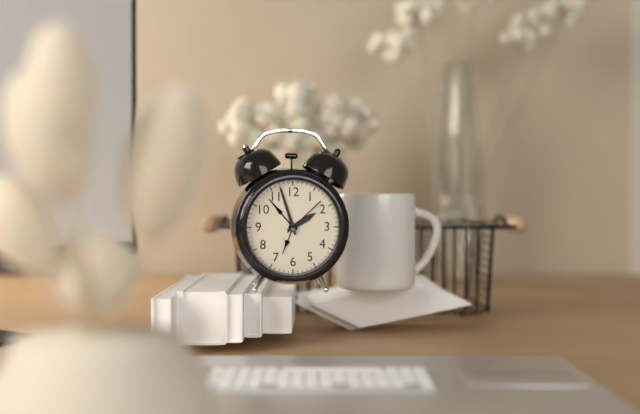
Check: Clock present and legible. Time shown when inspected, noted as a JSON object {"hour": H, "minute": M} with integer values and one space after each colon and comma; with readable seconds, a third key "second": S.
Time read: {"hour": 1, "minute": 57}
